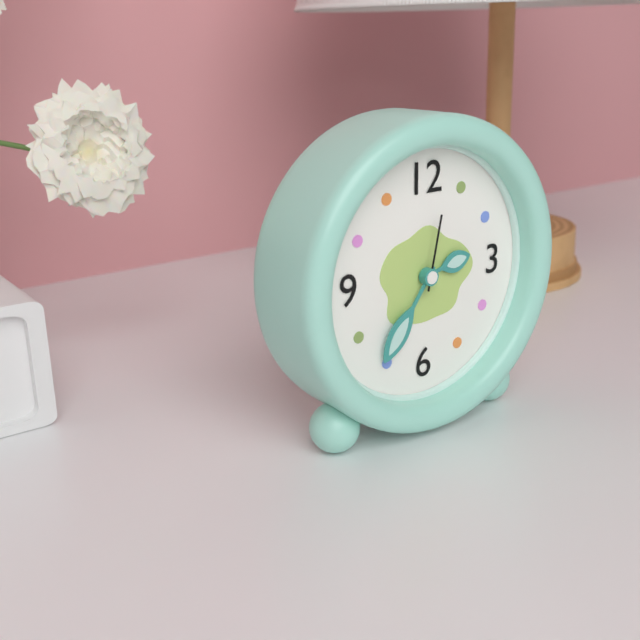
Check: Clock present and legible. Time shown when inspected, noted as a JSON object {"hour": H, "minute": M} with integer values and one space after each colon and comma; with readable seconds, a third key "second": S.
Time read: {"hour": 2, "minute": 36, "second": 2}
